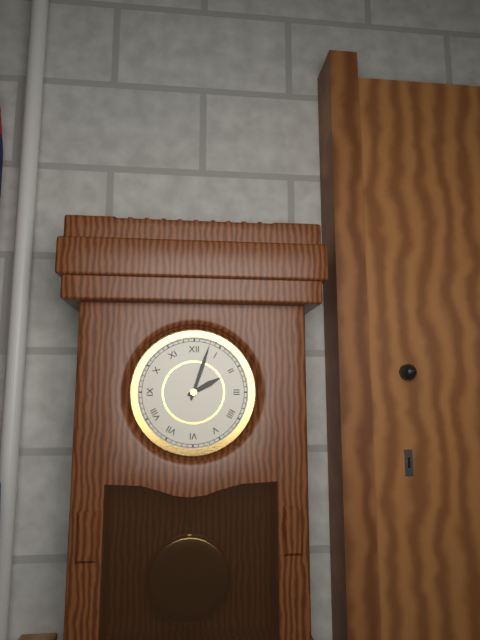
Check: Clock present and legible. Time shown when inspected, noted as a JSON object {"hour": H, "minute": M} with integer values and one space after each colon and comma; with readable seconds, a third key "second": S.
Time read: {"hour": 2, "minute": 3}
